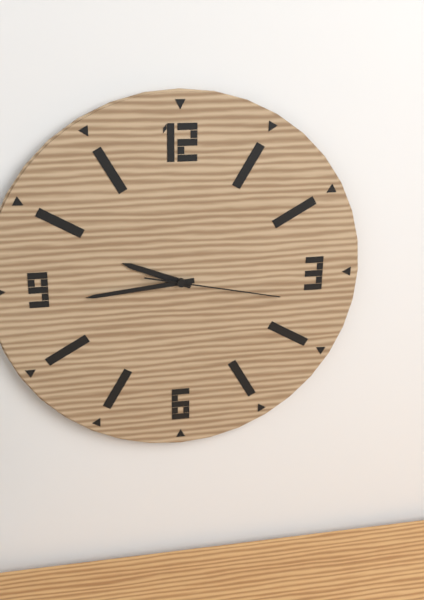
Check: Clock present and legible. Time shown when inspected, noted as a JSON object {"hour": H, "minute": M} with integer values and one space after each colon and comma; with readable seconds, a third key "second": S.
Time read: {"hour": 9, "minute": 44, "second": 17}
